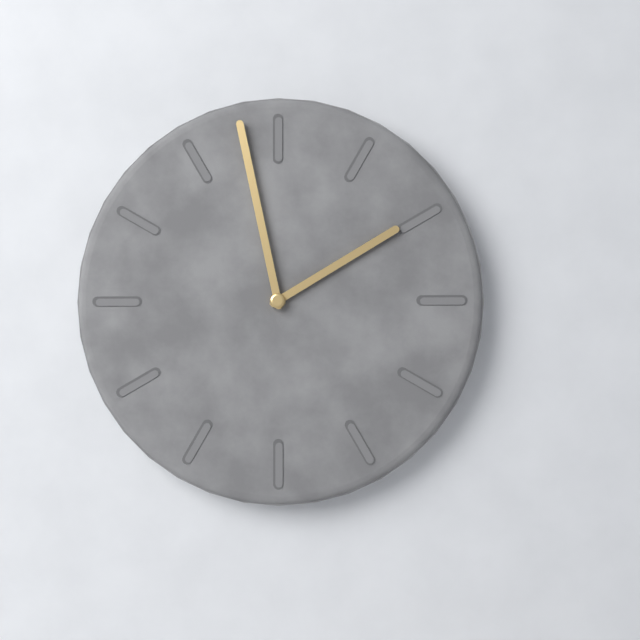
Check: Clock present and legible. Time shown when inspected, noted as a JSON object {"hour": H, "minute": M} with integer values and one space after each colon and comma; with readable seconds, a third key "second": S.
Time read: {"hour": 1, "minute": 58}
